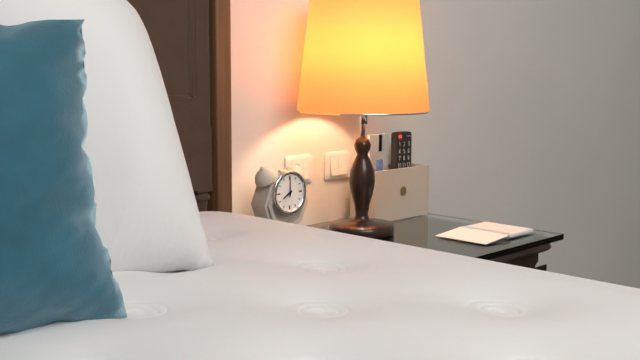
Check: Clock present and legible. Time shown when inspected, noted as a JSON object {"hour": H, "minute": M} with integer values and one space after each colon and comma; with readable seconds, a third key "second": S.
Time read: {"hour": 8, "minute": 0}
